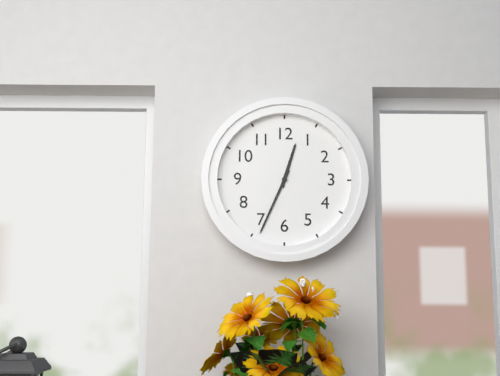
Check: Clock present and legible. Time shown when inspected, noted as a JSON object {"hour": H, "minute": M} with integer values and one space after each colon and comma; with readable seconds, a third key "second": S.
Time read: {"hour": 12, "minute": 34}
